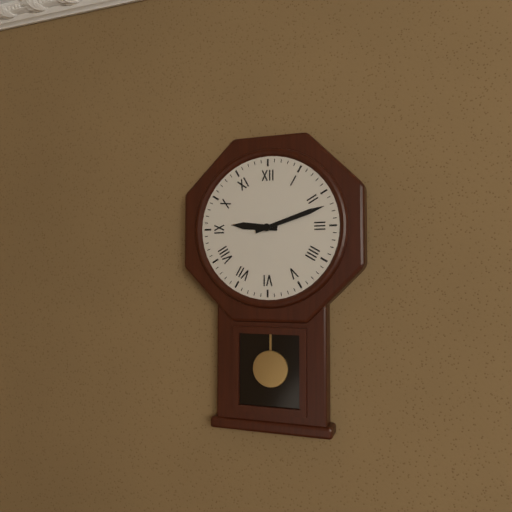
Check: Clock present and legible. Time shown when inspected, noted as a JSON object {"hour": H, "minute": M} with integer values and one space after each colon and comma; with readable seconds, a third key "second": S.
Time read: {"hour": 9, "minute": 12}
